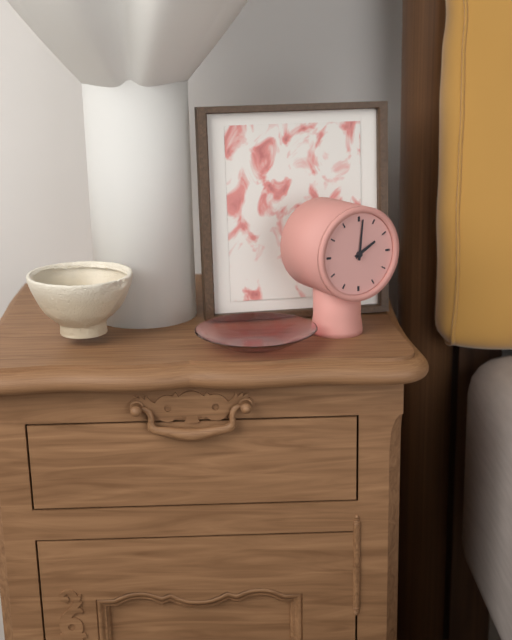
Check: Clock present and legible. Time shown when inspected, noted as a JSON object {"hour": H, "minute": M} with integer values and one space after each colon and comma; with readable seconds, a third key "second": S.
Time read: {"hour": 2, "minute": 1}
